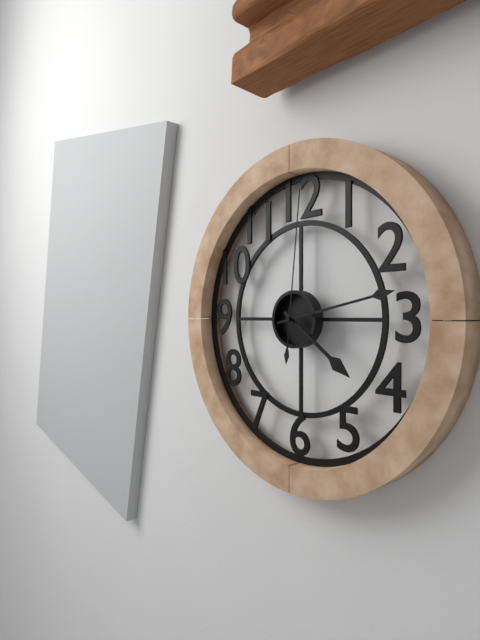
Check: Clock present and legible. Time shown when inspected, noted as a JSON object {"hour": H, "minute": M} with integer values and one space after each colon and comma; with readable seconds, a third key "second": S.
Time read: {"hour": 4, "minute": 13, "second": 1}
